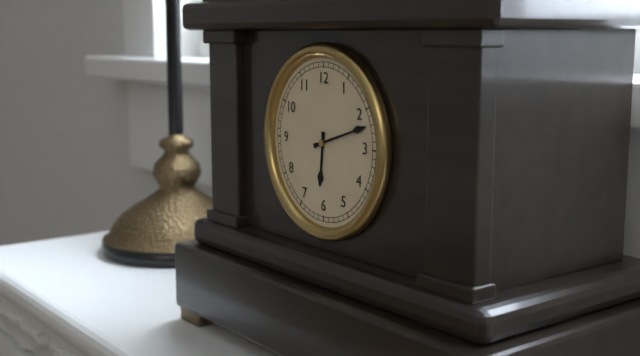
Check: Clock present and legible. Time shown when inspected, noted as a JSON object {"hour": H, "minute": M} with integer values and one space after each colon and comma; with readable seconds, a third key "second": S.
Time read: {"hour": 6, "minute": 12}
